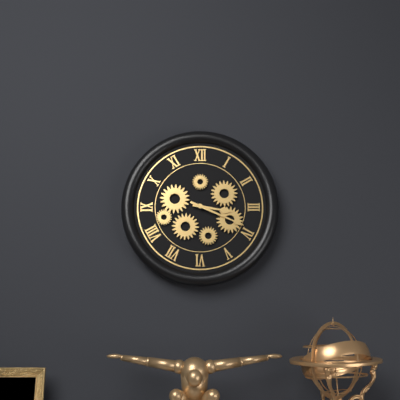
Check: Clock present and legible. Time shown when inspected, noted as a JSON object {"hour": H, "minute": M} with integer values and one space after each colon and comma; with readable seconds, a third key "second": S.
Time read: {"hour": 3, "minute": 19}
